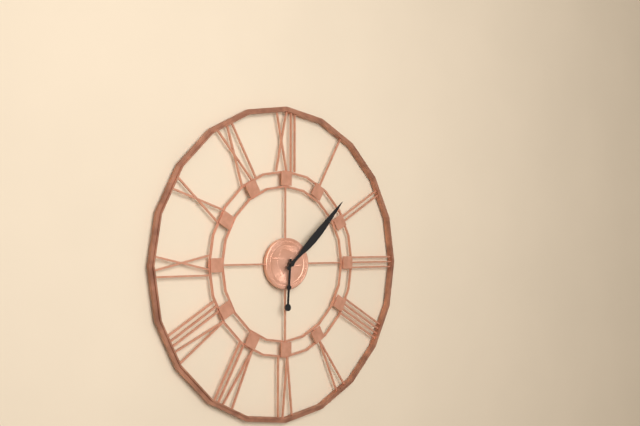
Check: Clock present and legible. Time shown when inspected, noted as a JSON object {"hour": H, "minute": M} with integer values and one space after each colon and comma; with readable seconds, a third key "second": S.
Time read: {"hour": 6, "minute": 8}
